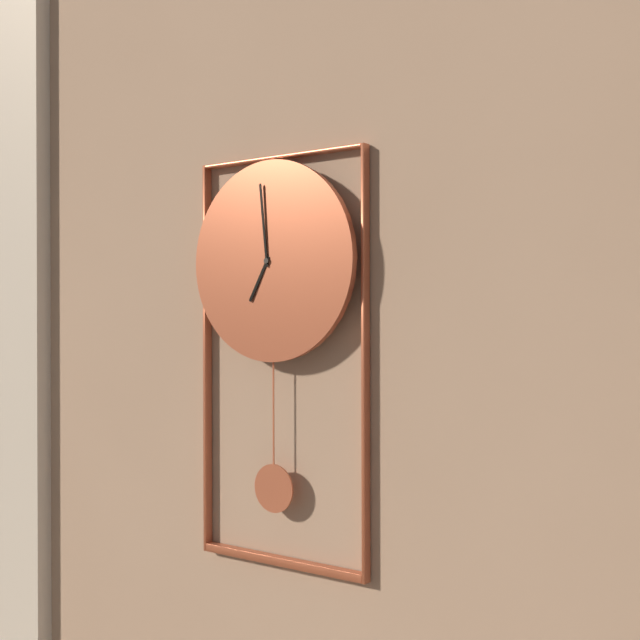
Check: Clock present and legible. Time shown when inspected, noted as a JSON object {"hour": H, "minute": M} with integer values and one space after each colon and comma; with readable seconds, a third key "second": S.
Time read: {"hour": 6, "minute": 59}
